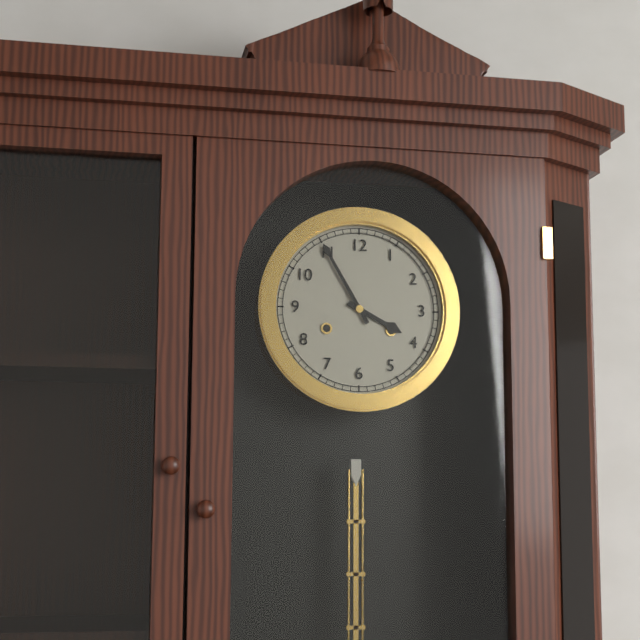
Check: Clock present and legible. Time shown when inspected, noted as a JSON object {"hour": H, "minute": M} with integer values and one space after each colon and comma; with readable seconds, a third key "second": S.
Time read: {"hour": 3, "minute": 55}
